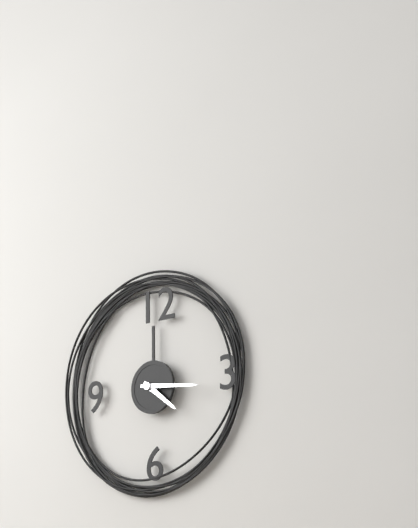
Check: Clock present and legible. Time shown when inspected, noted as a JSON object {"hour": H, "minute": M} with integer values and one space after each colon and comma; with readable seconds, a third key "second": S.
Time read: {"hour": 4, "minute": 16}
